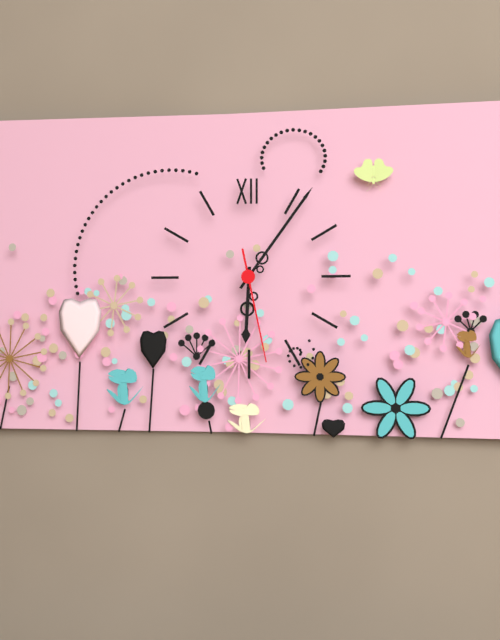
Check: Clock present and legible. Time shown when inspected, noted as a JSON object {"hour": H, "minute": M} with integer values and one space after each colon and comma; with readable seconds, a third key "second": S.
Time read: {"hour": 6, "minute": 6, "second": 28}
